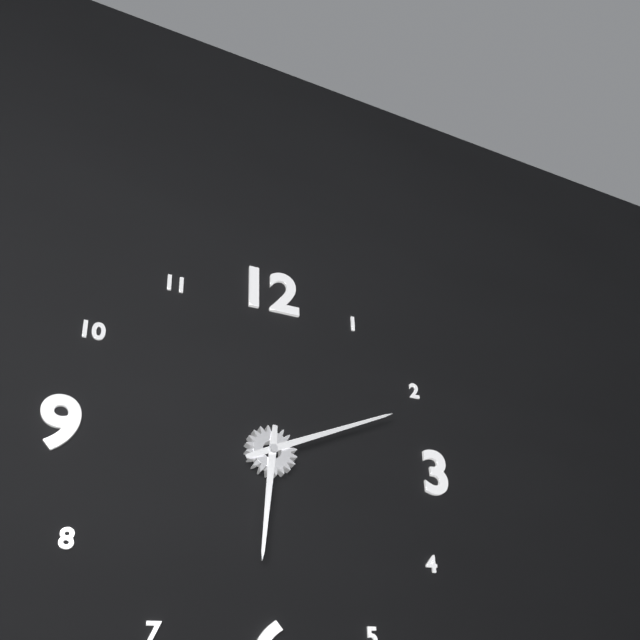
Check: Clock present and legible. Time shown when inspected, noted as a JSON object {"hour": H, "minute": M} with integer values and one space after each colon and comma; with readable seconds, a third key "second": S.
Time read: {"hour": 6, "minute": 11}
